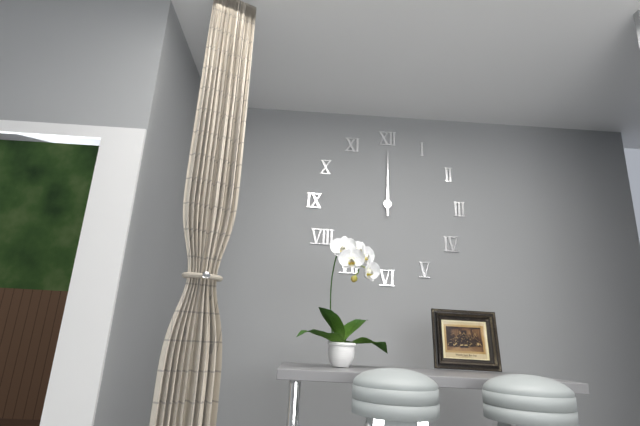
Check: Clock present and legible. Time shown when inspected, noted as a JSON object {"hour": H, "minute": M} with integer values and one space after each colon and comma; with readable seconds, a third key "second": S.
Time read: {"hour": 12, "minute": 0}
